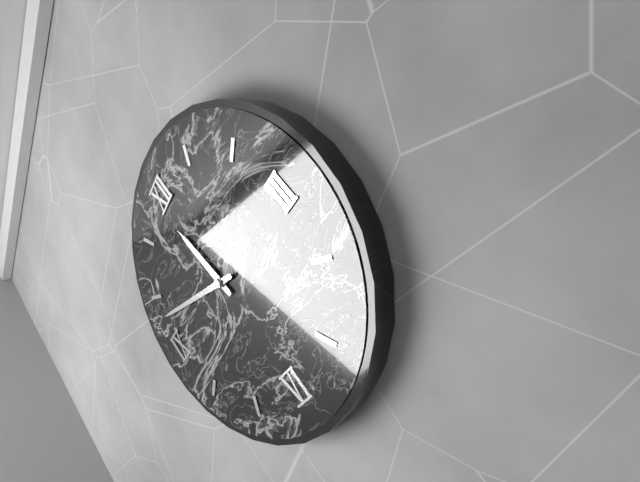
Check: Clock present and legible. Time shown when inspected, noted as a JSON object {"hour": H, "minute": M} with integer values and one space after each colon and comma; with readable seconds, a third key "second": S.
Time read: {"hour": 11, "minute": 48}
